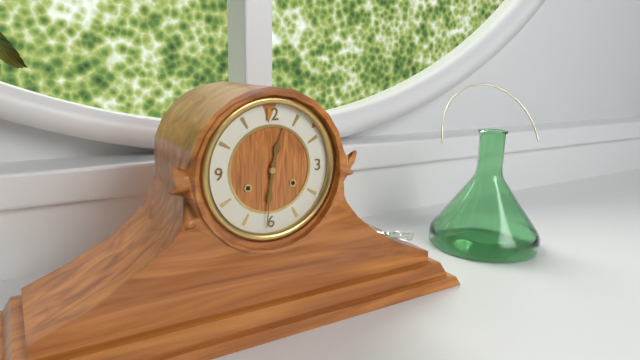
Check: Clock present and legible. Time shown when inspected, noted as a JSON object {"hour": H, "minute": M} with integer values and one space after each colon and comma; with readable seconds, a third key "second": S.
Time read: {"hour": 12, "minute": 31}
